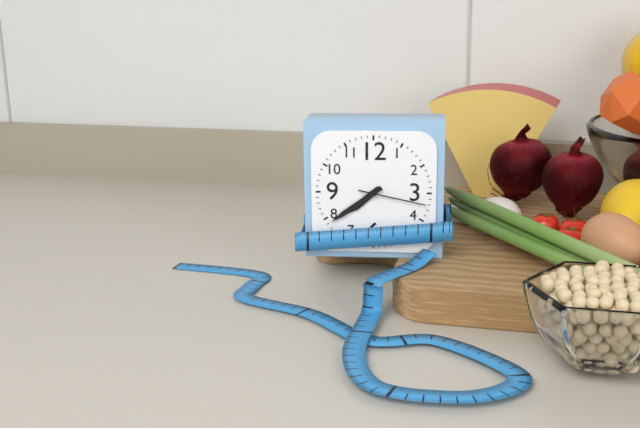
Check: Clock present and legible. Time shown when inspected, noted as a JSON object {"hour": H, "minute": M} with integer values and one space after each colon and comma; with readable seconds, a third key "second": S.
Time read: {"hour": 7, "minute": 39, "second": 17}
